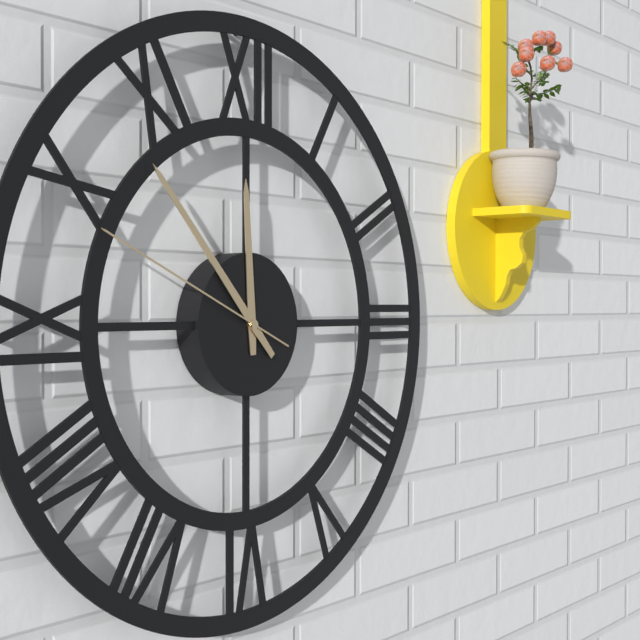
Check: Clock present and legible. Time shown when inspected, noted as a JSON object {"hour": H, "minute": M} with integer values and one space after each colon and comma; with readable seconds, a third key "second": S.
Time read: {"hour": 11, "minute": 53, "second": 49}
